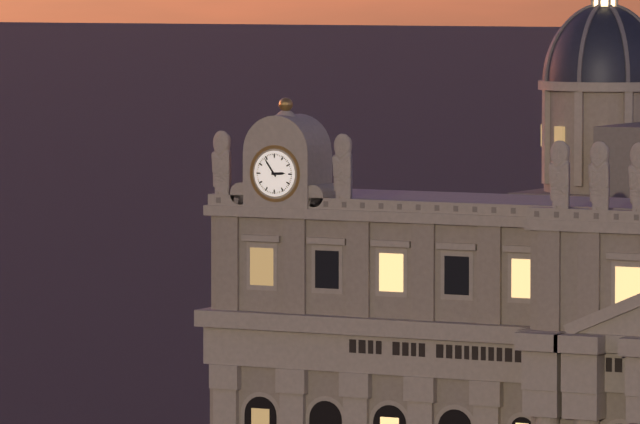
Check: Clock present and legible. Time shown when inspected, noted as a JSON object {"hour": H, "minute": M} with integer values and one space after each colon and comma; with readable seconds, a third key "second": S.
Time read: {"hour": 2, "minute": 54}
